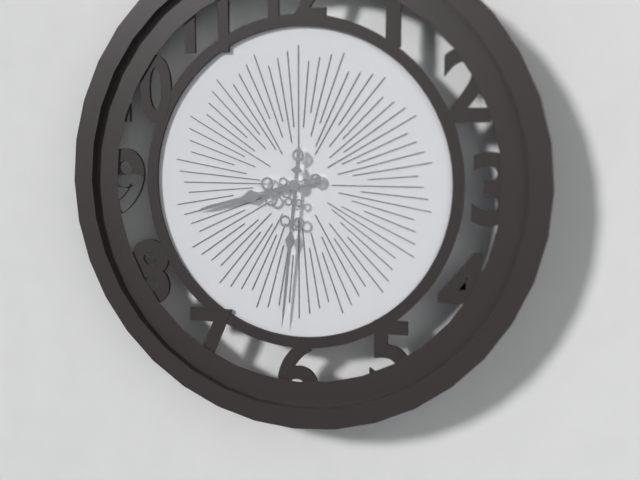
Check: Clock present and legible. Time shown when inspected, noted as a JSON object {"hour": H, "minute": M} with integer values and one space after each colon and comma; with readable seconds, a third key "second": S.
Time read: {"hour": 8, "minute": 31}
